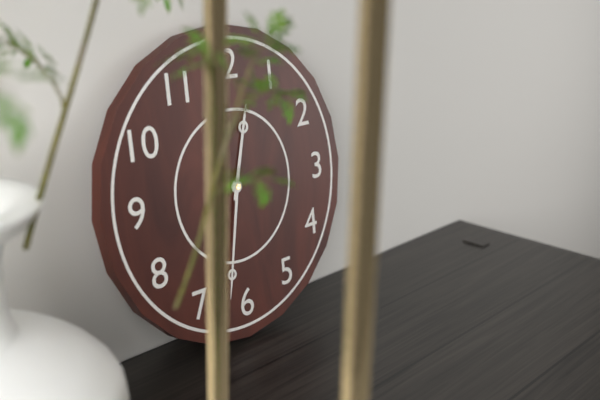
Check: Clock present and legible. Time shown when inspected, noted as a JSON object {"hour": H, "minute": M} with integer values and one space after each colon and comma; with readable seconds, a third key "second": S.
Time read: {"hour": 12, "minute": 32}
